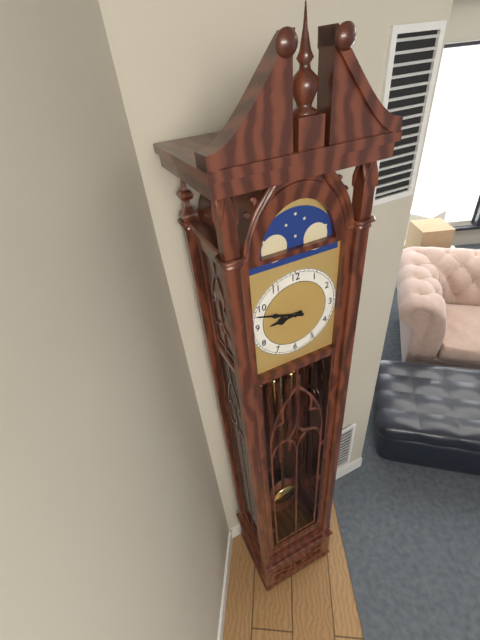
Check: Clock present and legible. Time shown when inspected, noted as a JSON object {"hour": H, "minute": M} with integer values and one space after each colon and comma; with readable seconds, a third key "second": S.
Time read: {"hour": 8, "minute": 48}
